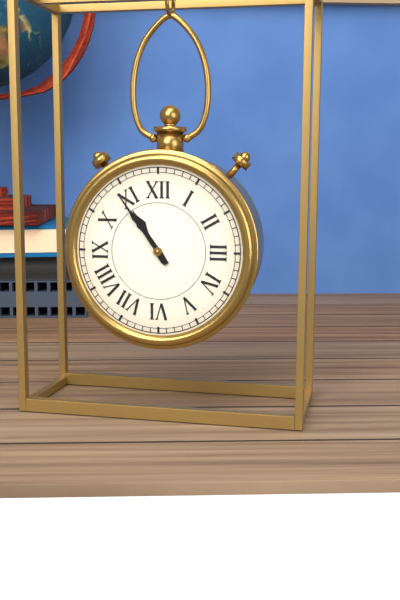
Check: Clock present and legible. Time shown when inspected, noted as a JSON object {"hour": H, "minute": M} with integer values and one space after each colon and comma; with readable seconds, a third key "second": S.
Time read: {"hour": 10, "minute": 54}
